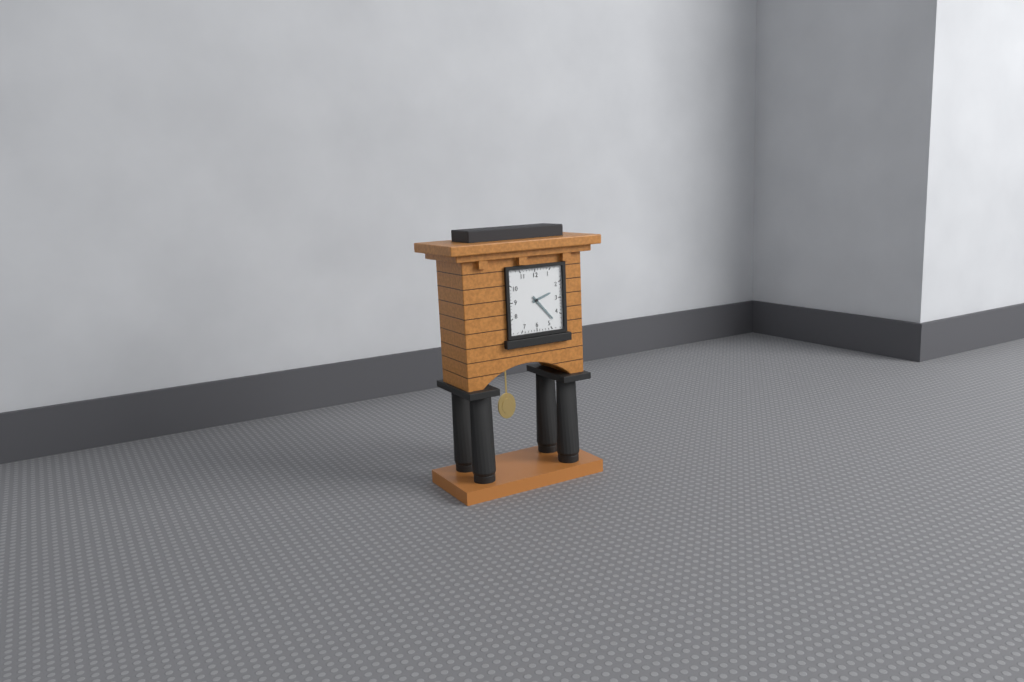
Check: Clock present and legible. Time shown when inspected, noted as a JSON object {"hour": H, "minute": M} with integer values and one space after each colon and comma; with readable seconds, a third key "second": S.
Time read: {"hour": 2, "minute": 23}
